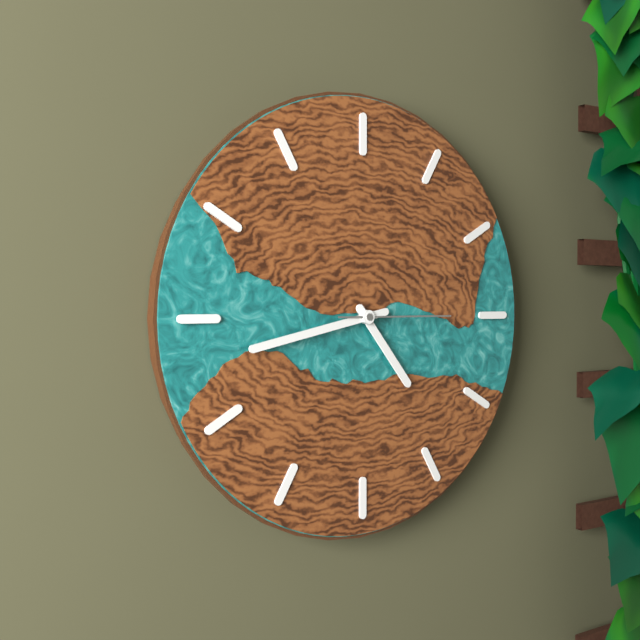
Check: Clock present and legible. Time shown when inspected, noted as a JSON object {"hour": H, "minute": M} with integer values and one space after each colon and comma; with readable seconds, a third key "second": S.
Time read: {"hour": 4, "minute": 43, "second": 15}
